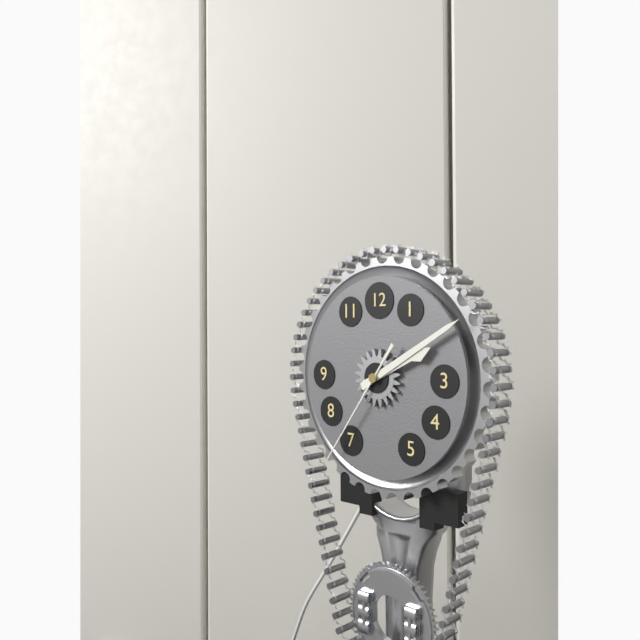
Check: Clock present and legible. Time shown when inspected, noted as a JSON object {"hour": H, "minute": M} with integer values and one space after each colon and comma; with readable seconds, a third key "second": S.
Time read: {"hour": 2, "minute": 10, "second": 36}
